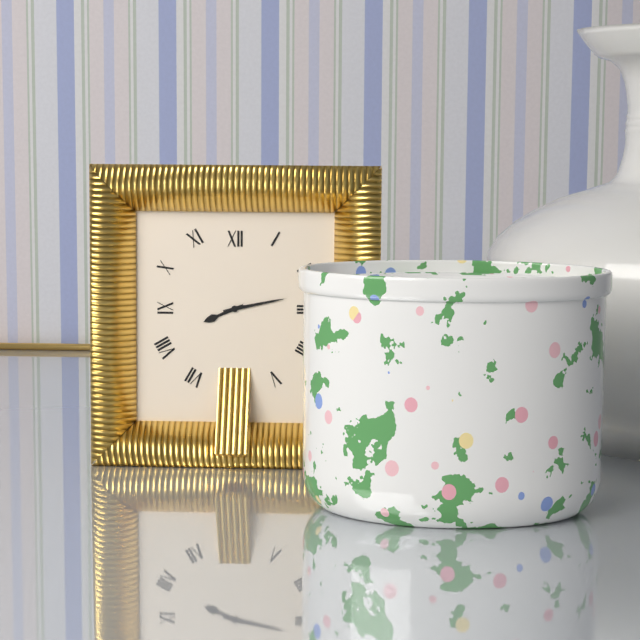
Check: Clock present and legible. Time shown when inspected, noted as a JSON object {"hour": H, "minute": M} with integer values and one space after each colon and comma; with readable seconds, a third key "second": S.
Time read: {"hour": 8, "minute": 13}
